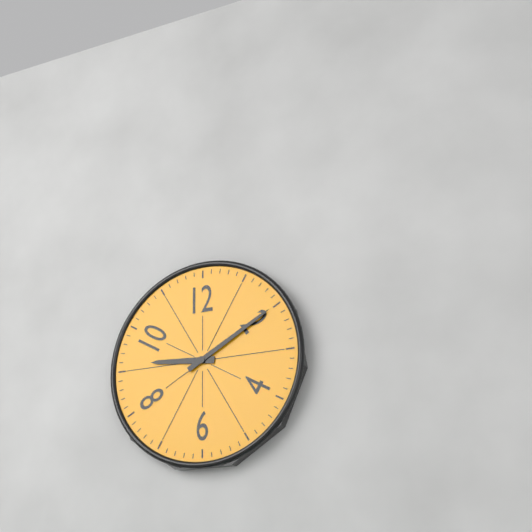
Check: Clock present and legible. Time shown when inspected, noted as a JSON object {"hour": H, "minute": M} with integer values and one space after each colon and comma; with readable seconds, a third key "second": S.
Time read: {"hour": 9, "minute": 10}
